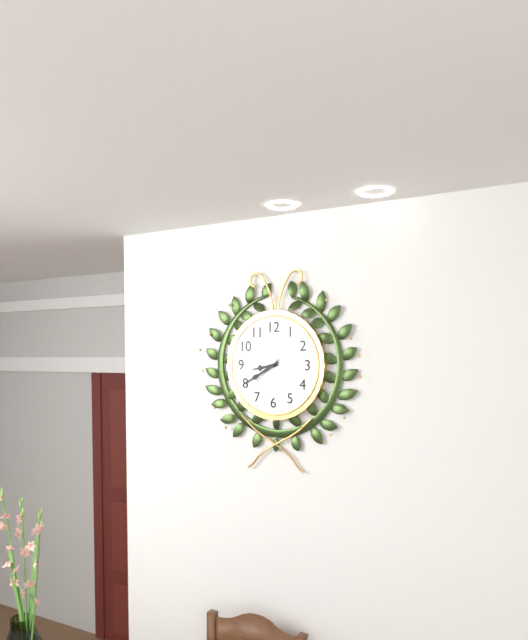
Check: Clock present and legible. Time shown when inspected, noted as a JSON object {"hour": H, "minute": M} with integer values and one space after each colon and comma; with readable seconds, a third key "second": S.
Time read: {"hour": 8, "minute": 40}
